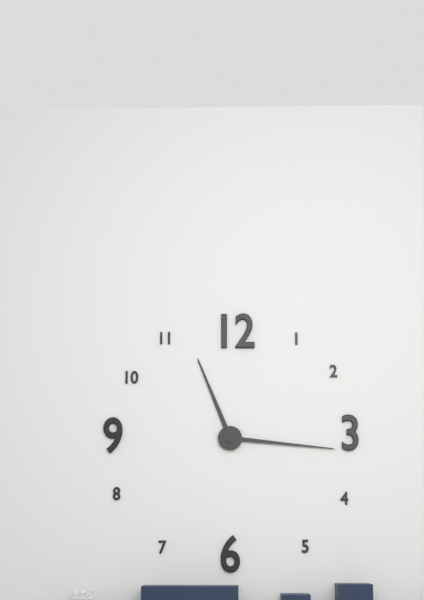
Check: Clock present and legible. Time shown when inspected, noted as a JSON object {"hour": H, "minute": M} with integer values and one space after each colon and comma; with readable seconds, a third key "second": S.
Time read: {"hour": 11, "minute": 16}
